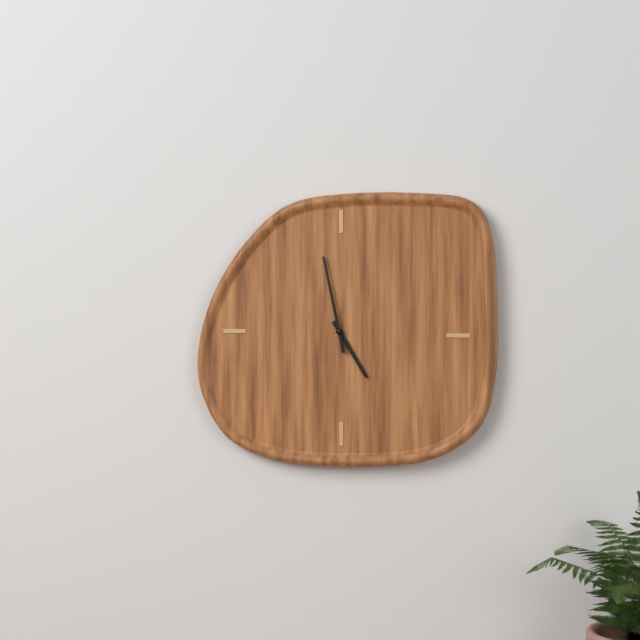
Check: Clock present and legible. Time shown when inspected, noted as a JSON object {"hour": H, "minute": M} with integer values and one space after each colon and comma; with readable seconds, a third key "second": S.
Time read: {"hour": 4, "minute": 58}
